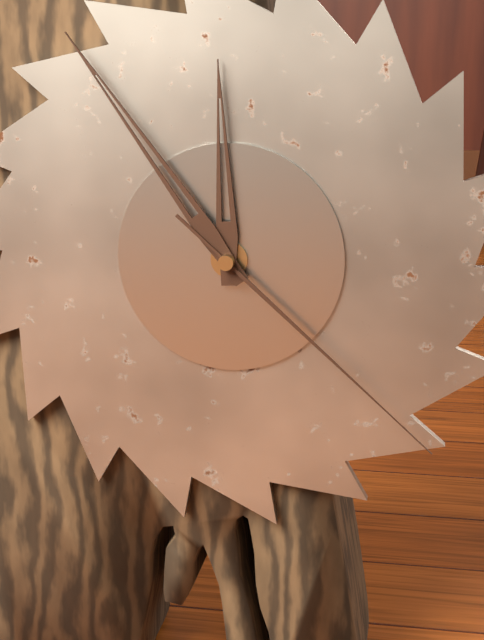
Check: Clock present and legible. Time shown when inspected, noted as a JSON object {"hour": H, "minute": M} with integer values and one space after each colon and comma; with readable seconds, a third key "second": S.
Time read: {"hour": 11, "minute": 54, "second": 22}
